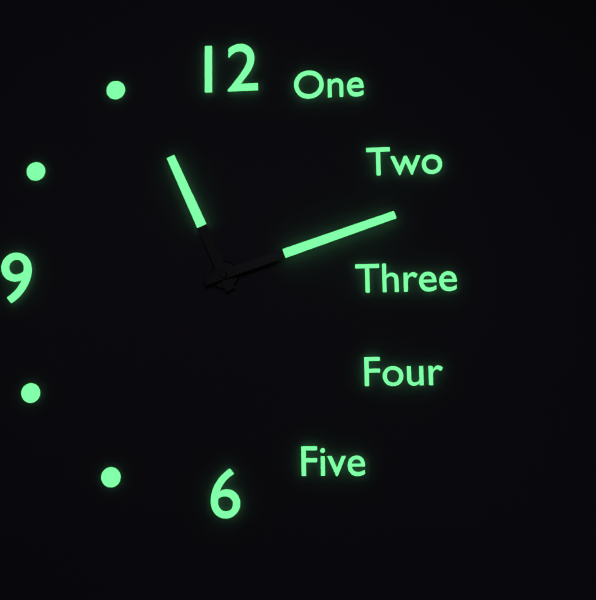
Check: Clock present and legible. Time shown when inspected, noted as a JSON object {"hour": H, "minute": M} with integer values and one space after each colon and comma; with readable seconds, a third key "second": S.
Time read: {"hour": 11, "minute": 12}
